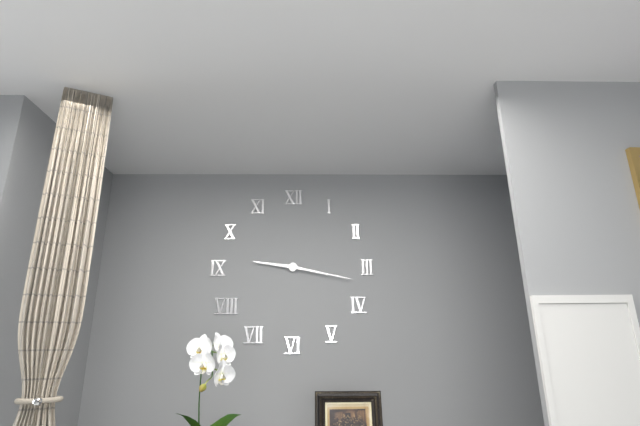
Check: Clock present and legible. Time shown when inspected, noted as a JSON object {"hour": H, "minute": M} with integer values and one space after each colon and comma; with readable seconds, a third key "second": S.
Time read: {"hour": 9, "minute": 17}
